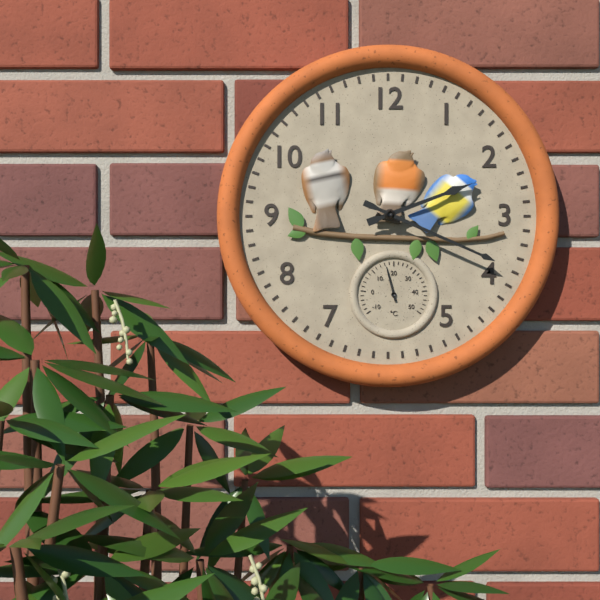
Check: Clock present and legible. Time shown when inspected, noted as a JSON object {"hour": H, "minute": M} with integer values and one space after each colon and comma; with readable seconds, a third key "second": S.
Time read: {"hour": 2, "minute": 19}
